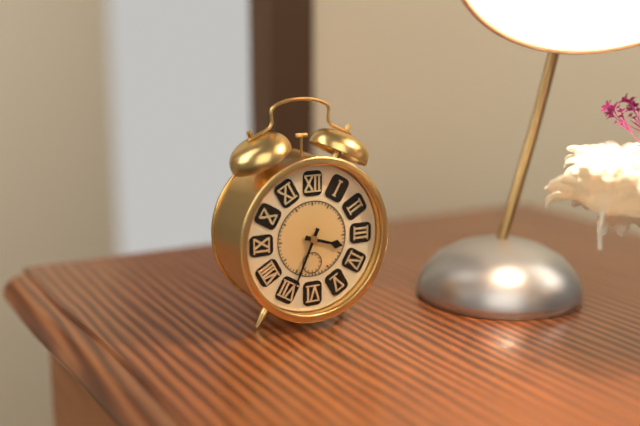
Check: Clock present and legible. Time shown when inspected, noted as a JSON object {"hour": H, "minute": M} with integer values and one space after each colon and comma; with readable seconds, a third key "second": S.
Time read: {"hour": 3, "minute": 34}
